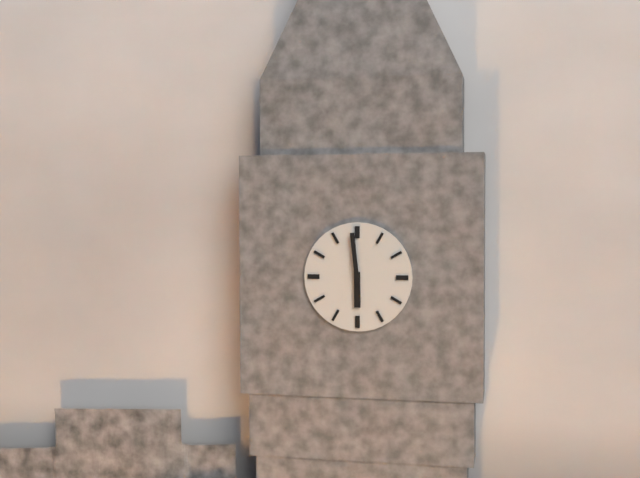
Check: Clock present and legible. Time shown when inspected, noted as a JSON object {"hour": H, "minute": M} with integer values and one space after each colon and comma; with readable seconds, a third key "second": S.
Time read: {"hour": 5, "minute": 59}
